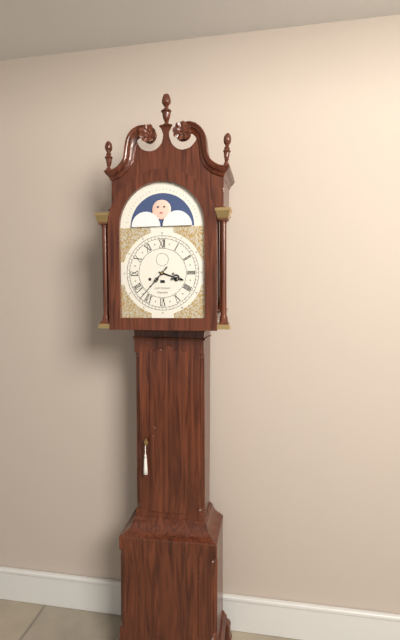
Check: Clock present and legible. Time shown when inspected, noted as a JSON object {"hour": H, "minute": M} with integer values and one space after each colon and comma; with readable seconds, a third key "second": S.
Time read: {"hour": 3, "minute": 37}
